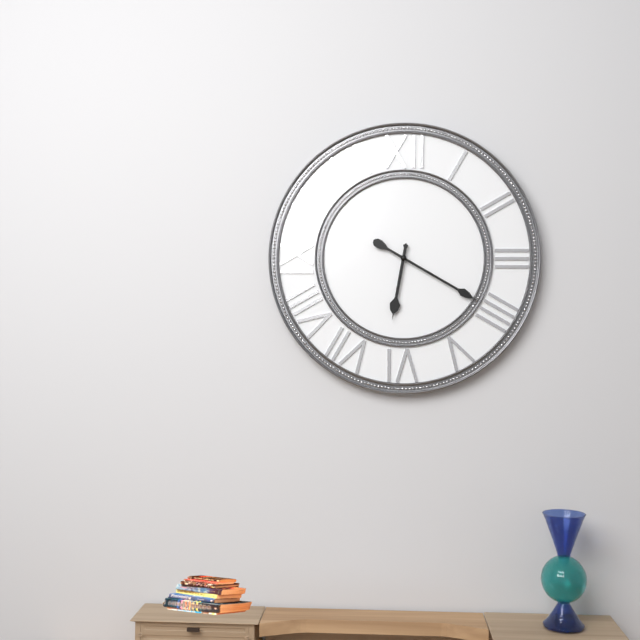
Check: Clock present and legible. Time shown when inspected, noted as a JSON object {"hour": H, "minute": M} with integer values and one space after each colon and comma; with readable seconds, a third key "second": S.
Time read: {"hour": 6, "minute": 20}
